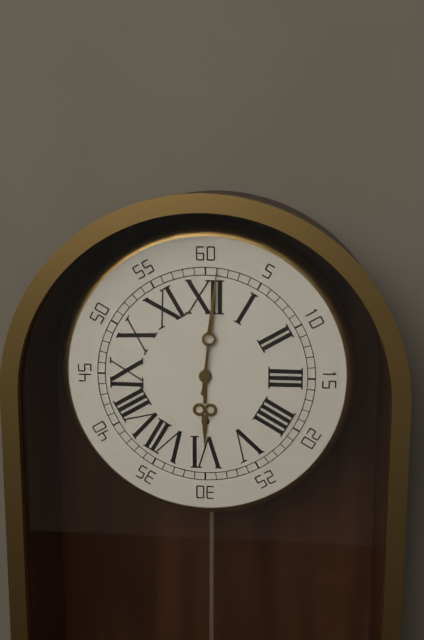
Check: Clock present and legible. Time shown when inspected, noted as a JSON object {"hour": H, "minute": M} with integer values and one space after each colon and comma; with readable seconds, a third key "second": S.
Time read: {"hour": 6, "minute": 1}
